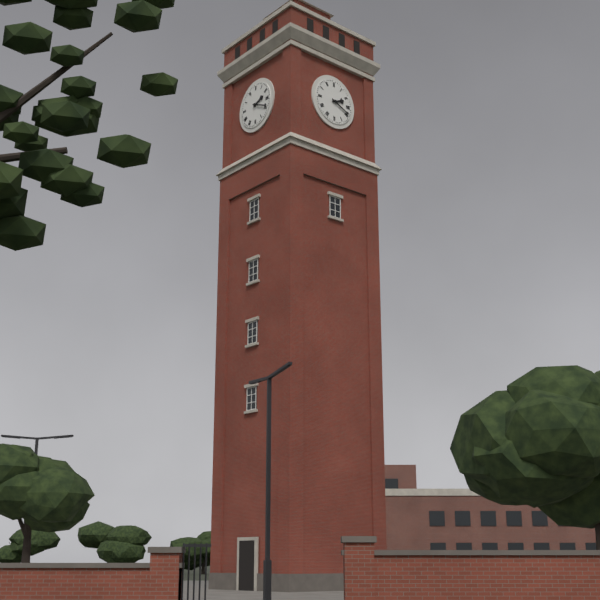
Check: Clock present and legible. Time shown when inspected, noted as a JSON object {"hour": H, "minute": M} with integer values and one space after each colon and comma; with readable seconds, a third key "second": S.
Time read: {"hour": 2, "minute": 19}
